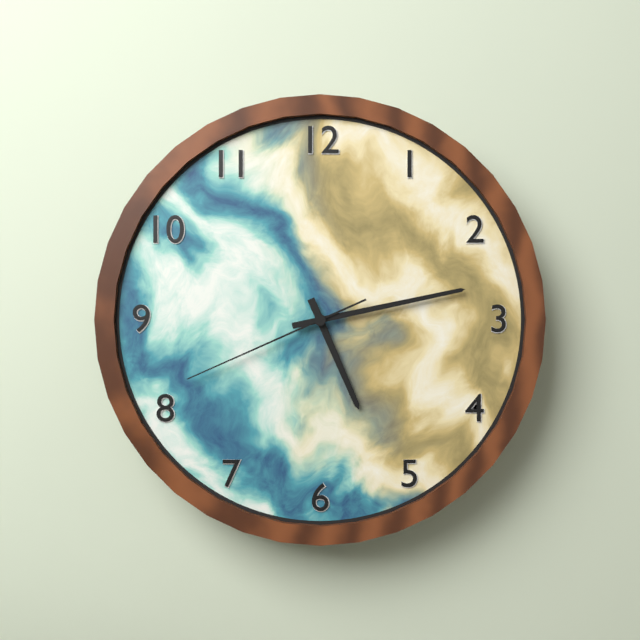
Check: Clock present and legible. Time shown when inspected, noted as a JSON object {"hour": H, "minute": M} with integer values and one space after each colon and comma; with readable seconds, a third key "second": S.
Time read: {"hour": 5, "minute": 13, "second": 41}
